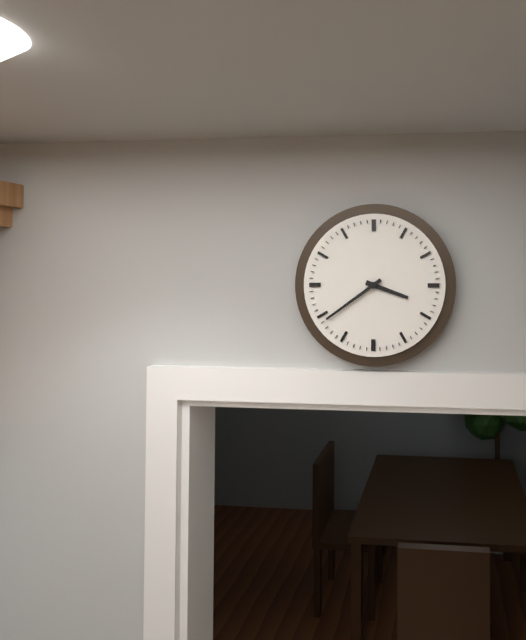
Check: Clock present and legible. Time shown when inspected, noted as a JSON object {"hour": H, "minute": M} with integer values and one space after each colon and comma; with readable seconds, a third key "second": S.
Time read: {"hour": 3, "minute": 39}
